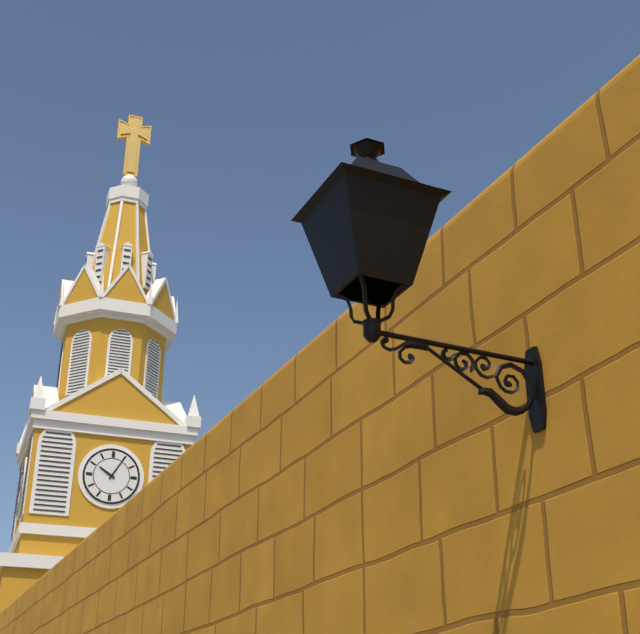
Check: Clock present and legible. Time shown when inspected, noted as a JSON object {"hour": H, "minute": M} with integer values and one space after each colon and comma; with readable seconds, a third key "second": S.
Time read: {"hour": 10, "minute": 5}
